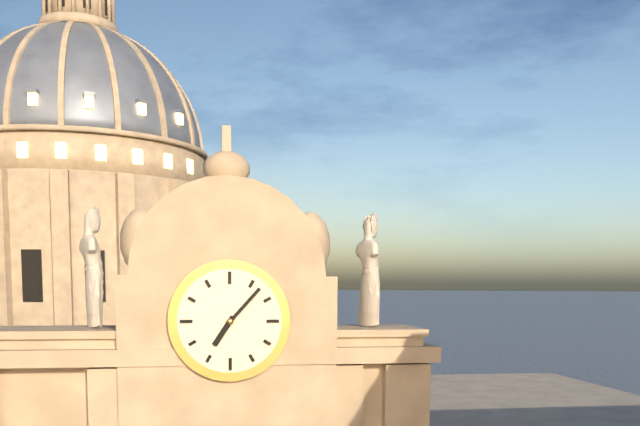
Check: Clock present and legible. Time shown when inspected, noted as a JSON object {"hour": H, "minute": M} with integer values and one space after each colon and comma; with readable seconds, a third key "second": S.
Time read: {"hour": 7, "minute": 7}
